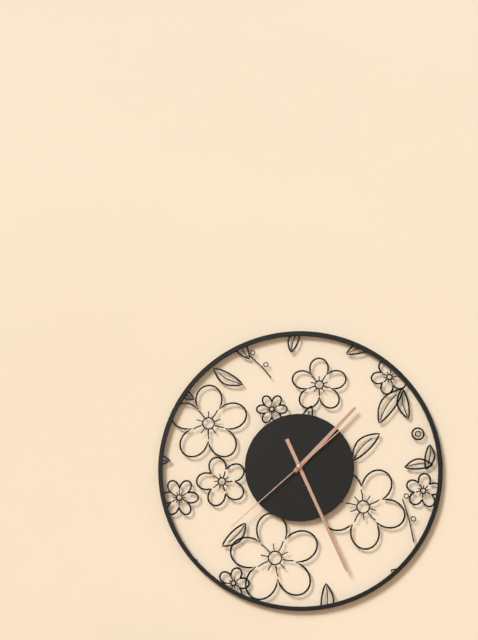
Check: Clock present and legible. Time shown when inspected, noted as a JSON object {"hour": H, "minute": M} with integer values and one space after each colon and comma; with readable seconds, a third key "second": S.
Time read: {"hour": 1, "minute": 26, "second": 38}
